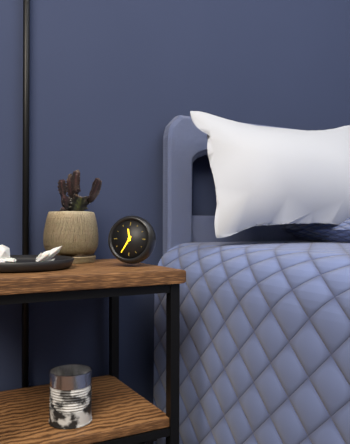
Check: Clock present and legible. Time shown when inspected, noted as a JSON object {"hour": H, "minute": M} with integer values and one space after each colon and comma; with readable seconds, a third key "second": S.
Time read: {"hour": 11, "minute": 35}
